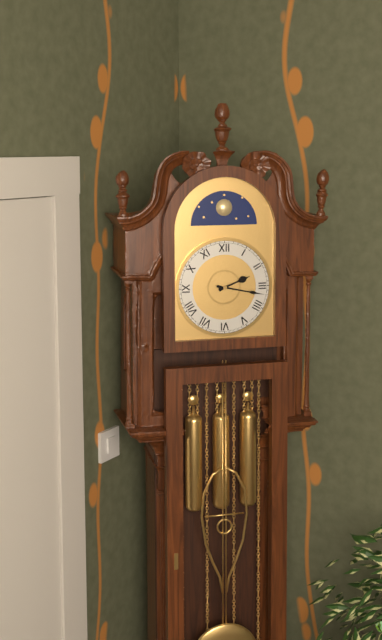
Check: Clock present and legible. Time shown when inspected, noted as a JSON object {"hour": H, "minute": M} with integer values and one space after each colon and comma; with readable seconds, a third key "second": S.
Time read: {"hour": 2, "minute": 17}
